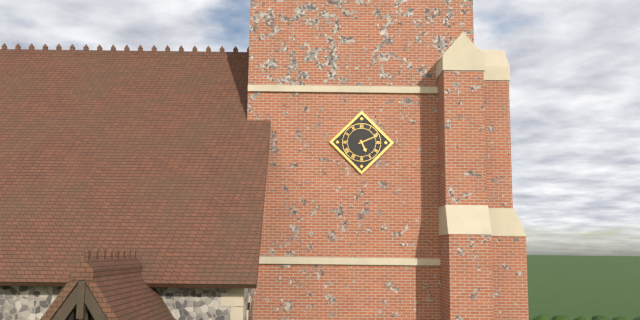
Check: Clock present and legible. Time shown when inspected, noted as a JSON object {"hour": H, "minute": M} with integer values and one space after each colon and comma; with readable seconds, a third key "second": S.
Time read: {"hour": 5, "minute": 11}
